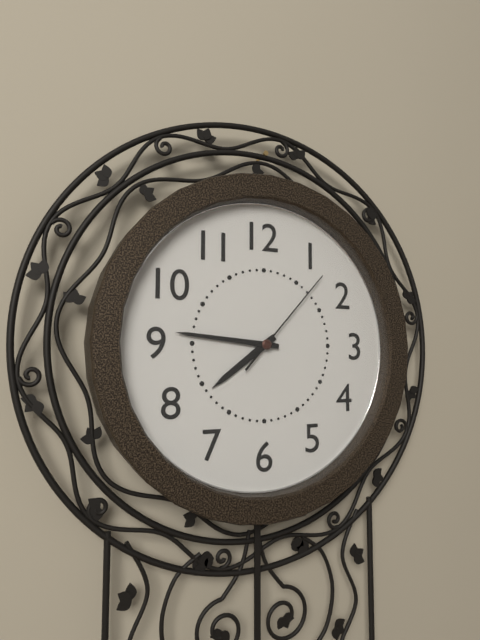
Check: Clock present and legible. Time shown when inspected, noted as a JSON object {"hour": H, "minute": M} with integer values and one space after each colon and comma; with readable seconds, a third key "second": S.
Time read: {"hour": 7, "minute": 46, "second": 7}
